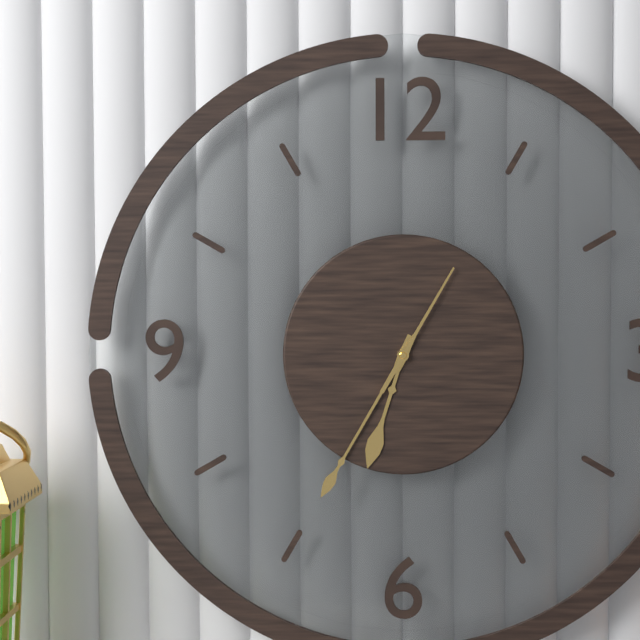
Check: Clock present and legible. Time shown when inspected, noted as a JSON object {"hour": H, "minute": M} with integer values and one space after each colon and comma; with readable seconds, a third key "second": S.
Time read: {"hour": 6, "minute": 35, "second": 5}
